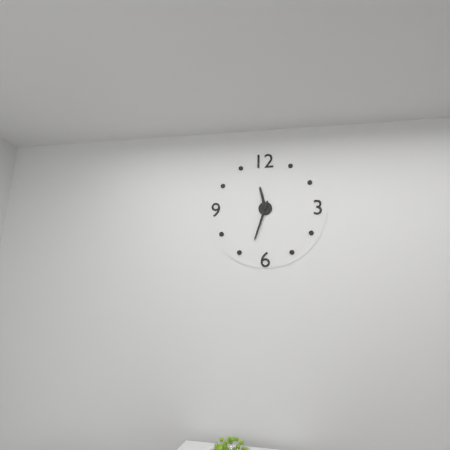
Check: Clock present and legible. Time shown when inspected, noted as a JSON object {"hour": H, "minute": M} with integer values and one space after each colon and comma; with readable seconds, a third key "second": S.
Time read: {"hour": 11, "minute": 33}
